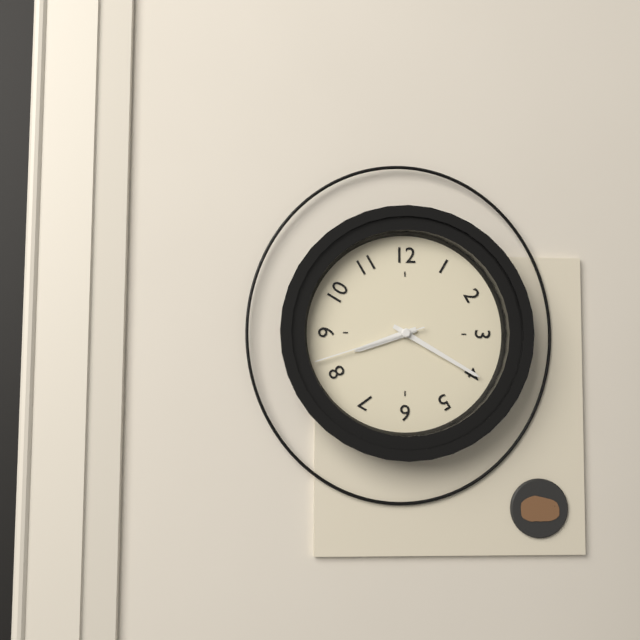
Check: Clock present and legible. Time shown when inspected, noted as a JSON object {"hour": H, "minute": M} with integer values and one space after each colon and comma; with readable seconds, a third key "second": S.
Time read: {"hour": 8, "minute": 20, "second": 42}
